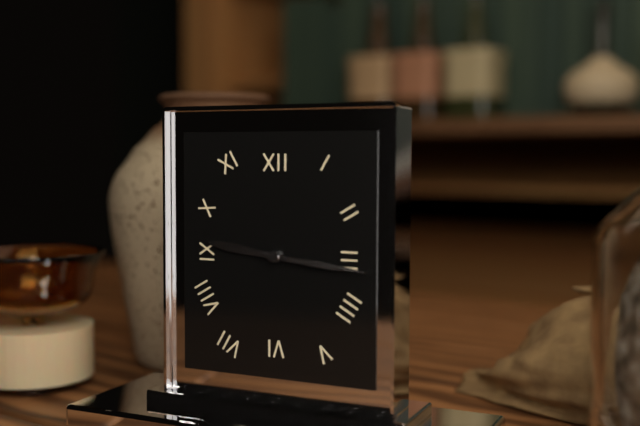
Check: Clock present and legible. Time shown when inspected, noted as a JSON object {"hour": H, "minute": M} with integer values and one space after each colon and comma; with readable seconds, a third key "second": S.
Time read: {"hour": 9, "minute": 16}
